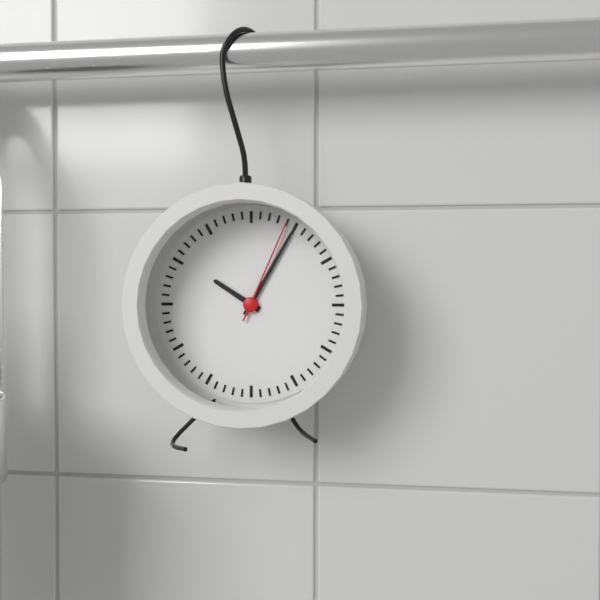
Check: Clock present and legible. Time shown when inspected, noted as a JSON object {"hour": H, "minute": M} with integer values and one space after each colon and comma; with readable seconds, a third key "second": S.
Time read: {"hour": 10, "minute": 5, "second": 4}
